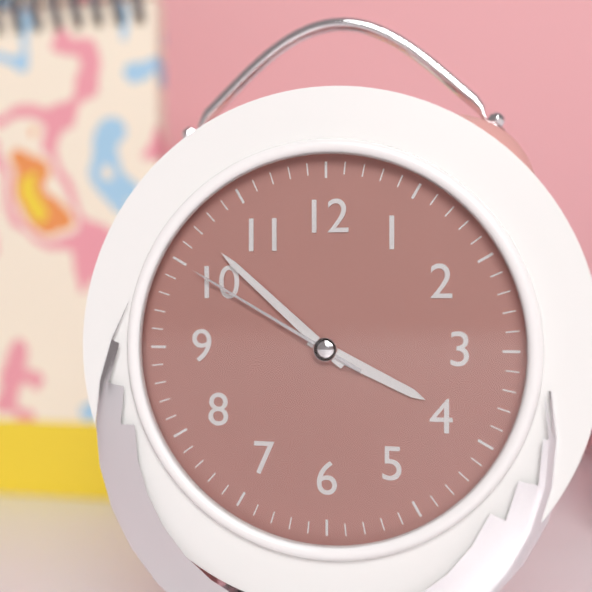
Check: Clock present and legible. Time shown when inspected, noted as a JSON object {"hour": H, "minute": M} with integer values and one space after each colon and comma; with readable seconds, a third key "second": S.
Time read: {"hour": 3, "minute": 52, "second": 50}
